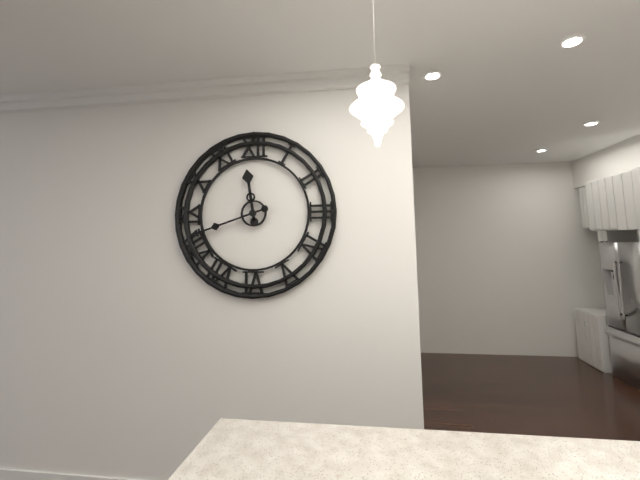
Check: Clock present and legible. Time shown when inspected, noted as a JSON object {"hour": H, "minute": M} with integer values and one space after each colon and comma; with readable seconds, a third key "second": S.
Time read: {"hour": 11, "minute": 42}
